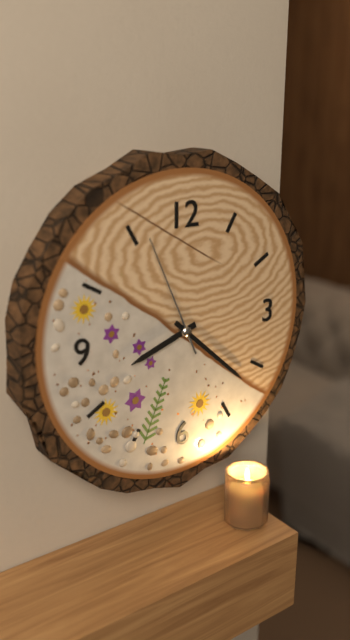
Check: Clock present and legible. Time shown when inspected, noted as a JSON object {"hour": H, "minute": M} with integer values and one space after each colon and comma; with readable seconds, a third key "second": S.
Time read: {"hour": 8, "minute": 22, "second": 56}
